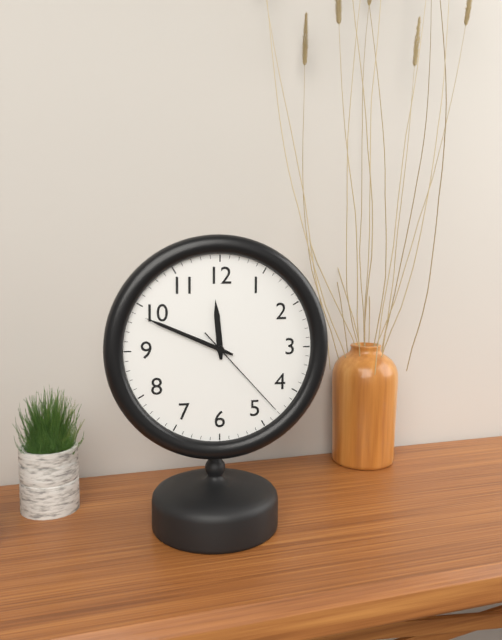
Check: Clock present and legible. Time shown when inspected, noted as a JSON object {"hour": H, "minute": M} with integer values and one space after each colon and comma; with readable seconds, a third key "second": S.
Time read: {"hour": 11, "minute": 49, "second": 23}
